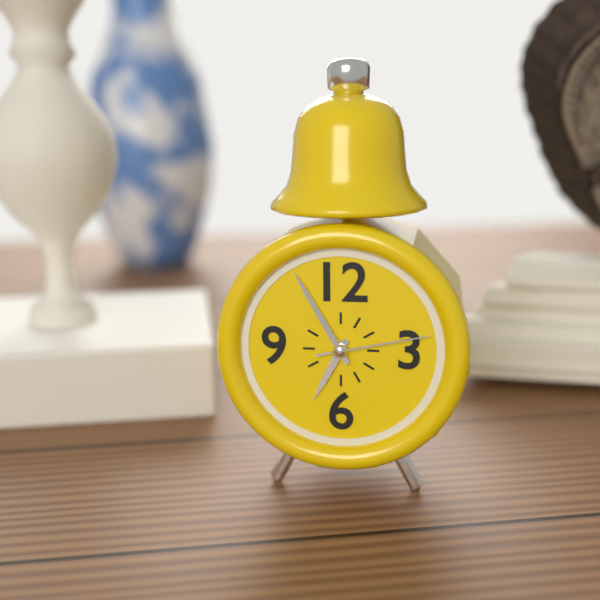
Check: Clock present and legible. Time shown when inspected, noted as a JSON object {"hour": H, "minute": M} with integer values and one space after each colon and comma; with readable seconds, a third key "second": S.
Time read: {"hour": 6, "minute": 55, "second": 13}
